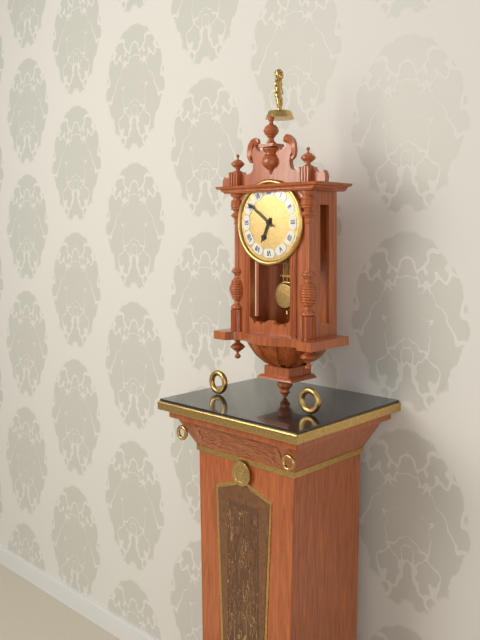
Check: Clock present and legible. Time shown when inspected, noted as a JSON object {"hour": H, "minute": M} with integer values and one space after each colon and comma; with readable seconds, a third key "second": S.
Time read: {"hour": 6, "minute": 51}
